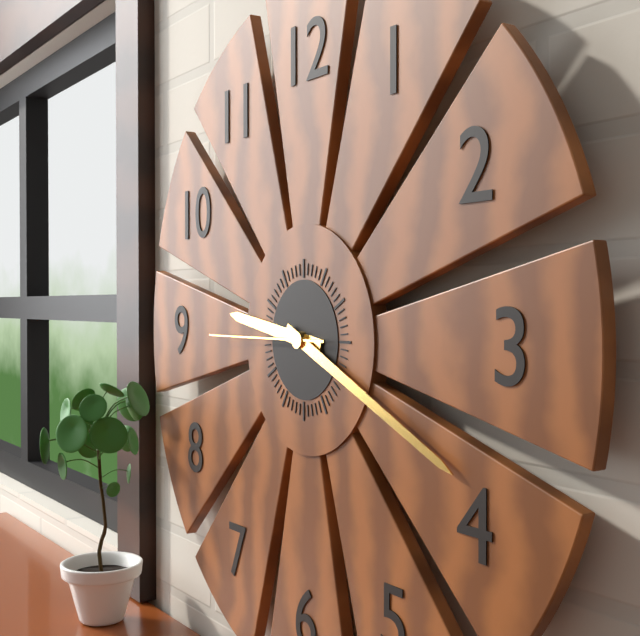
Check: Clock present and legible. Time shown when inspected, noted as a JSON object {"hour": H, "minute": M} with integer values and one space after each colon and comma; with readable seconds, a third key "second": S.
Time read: {"hour": 9, "minute": 19, "second": 45}
